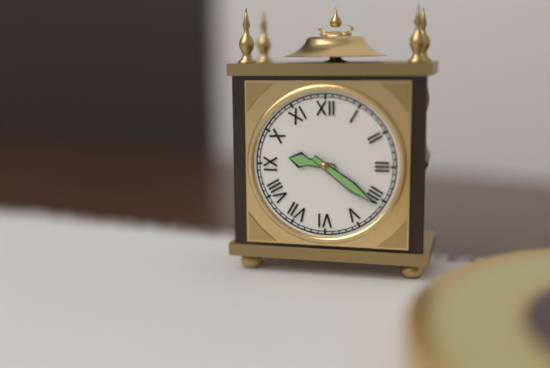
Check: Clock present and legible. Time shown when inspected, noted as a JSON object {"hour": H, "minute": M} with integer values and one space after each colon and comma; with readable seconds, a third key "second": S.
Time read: {"hour": 9, "minute": 21}
